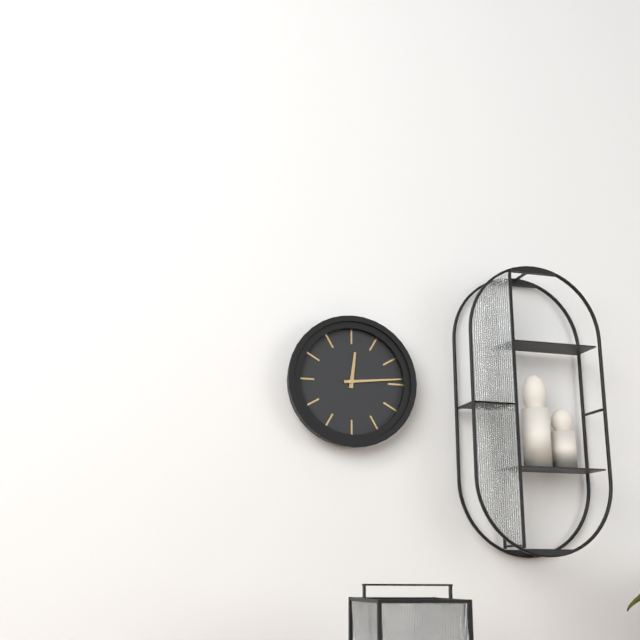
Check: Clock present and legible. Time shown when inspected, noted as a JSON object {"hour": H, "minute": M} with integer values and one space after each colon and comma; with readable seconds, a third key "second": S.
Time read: {"hour": 12, "minute": 14}
